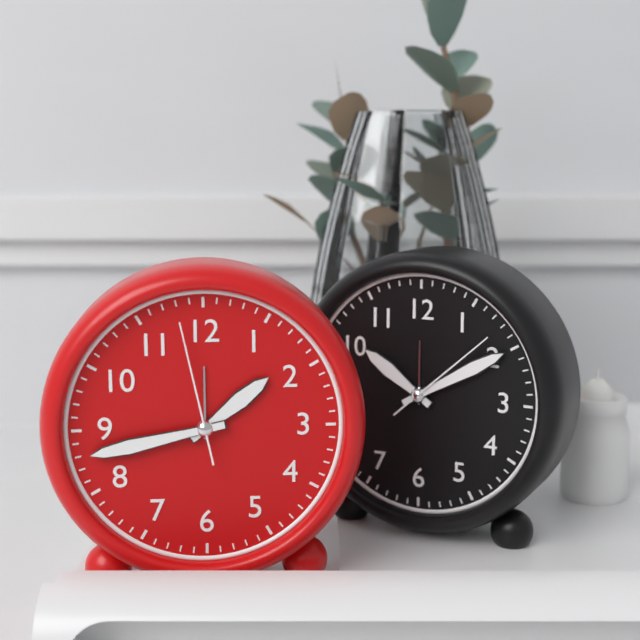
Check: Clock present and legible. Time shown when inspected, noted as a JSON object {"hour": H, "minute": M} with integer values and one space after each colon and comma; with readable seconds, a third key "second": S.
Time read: {"hour": 1, "minute": 43, "second": 58}
